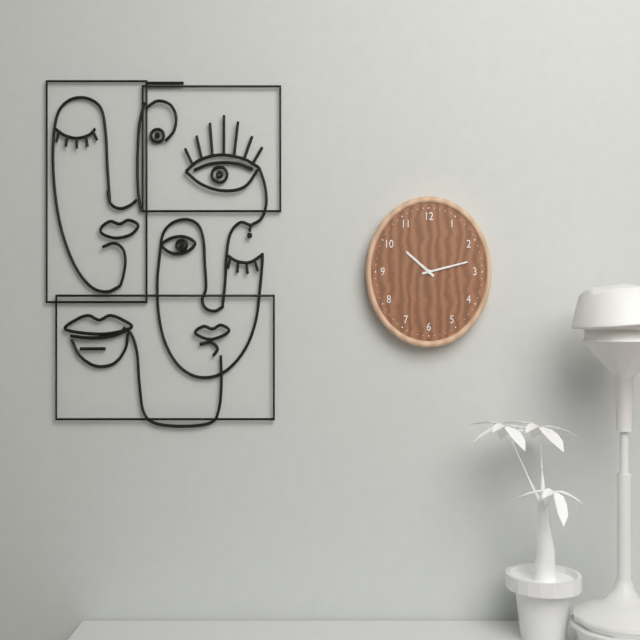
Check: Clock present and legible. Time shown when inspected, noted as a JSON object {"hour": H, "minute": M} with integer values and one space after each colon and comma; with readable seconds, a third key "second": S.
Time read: {"hour": 10, "minute": 13}
